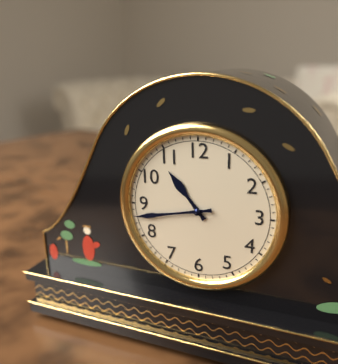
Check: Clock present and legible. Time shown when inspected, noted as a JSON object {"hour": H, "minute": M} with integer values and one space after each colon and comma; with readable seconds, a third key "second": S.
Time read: {"hour": 10, "minute": 43}
